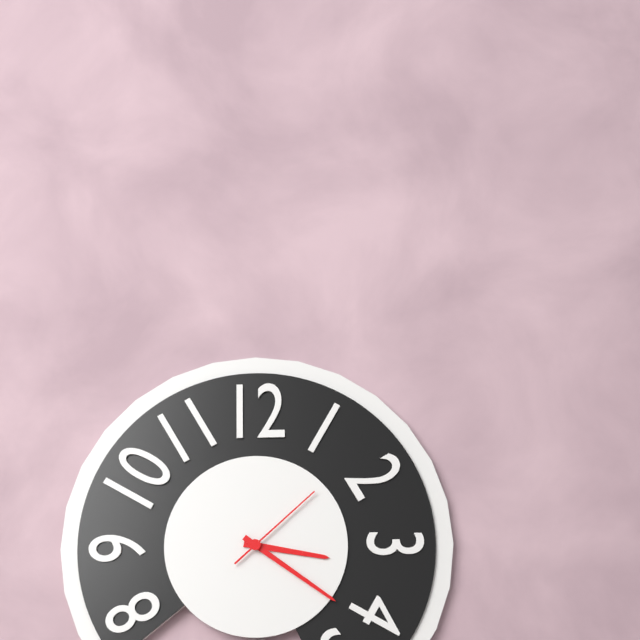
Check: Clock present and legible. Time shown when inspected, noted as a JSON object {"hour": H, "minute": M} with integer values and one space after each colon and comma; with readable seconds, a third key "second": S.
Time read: {"hour": 3, "minute": 21, "second": 8}
